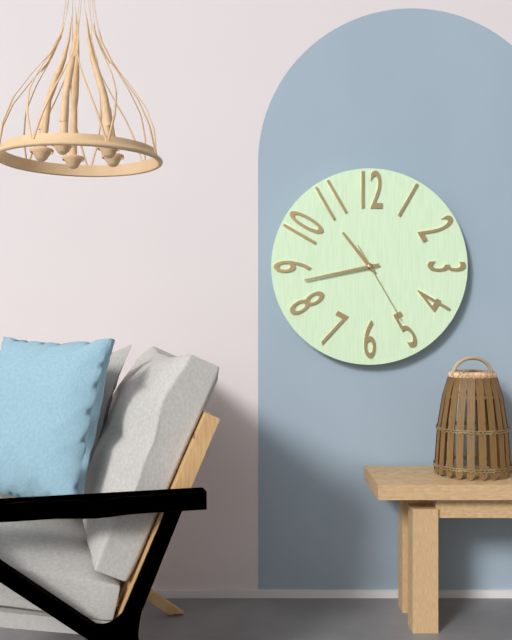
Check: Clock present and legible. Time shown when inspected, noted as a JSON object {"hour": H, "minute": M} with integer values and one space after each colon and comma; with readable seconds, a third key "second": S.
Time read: {"hour": 10, "minute": 43, "second": 25}
